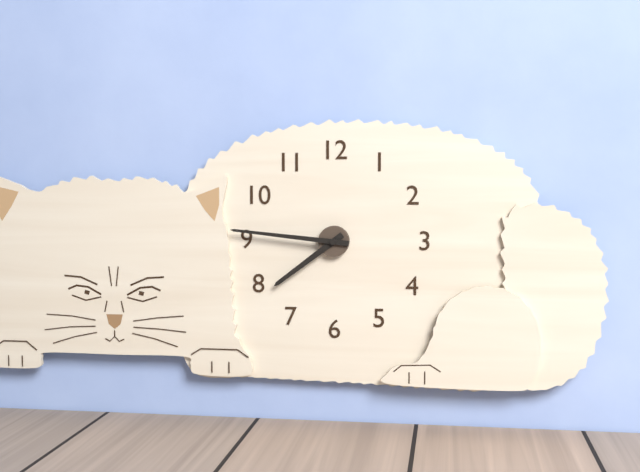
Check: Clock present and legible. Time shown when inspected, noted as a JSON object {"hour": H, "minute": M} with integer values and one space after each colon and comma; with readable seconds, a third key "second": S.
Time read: {"hour": 7, "minute": 46}
